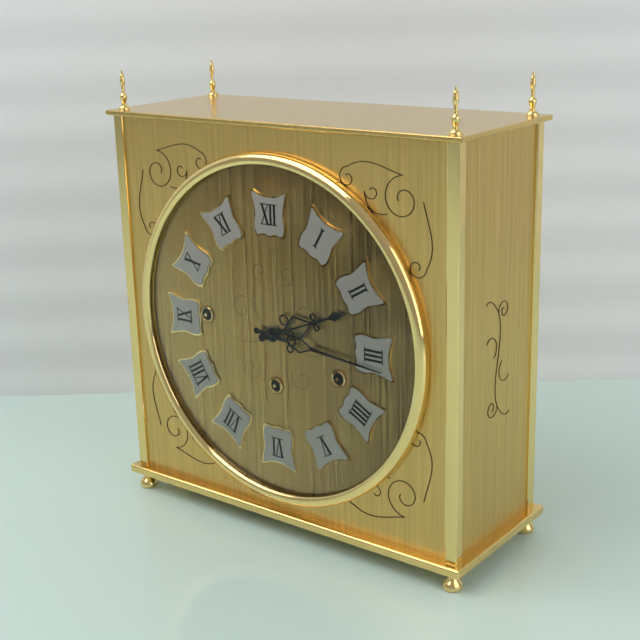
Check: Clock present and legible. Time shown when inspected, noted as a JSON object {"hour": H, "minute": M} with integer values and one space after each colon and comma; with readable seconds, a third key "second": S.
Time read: {"hour": 2, "minute": 16}
